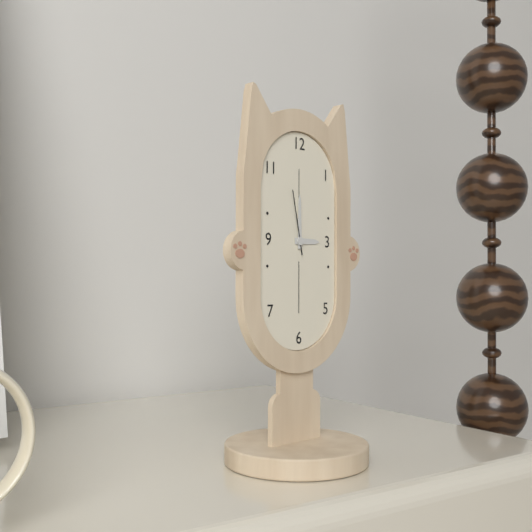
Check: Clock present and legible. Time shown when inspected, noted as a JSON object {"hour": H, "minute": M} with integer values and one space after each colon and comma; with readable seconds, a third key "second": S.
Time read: {"hour": 3, "minute": 0, "second": 58}
